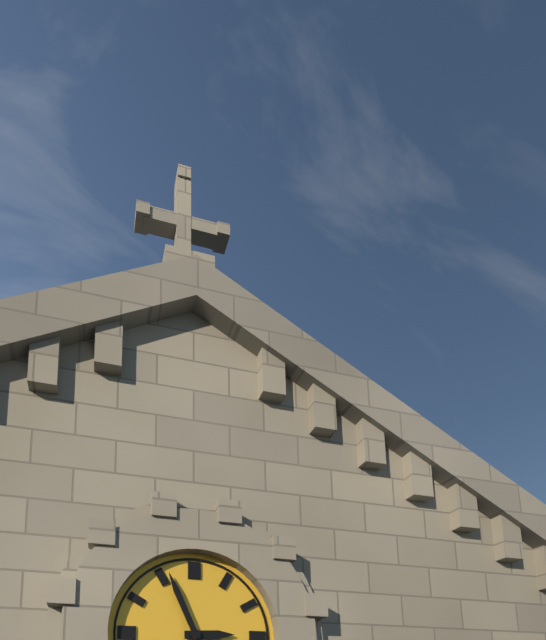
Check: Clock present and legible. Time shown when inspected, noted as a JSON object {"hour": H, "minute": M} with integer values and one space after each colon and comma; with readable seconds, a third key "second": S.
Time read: {"hour": 2, "minute": 56}
